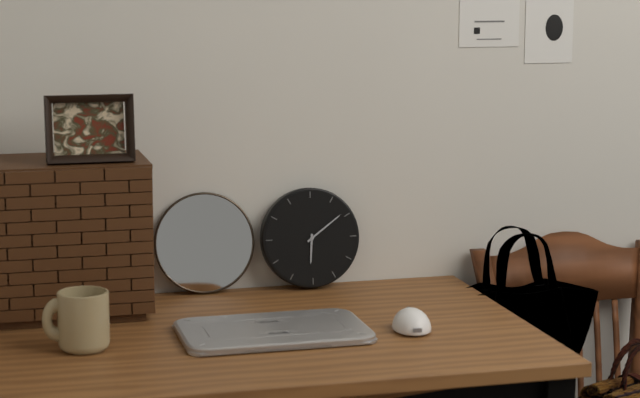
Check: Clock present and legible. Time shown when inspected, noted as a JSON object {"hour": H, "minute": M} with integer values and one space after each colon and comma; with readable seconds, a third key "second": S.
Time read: {"hour": 6, "minute": 9}
